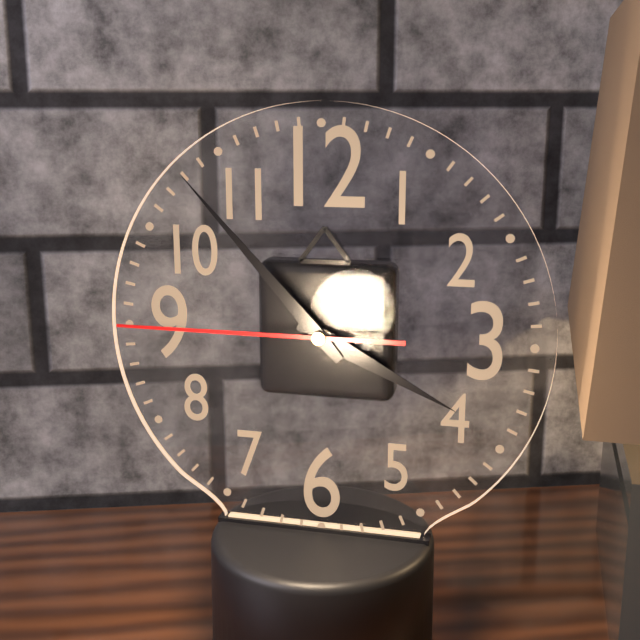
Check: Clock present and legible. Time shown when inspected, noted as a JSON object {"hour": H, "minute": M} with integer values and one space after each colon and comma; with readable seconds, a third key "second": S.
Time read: {"hour": 3, "minute": 53, "second": 45}
